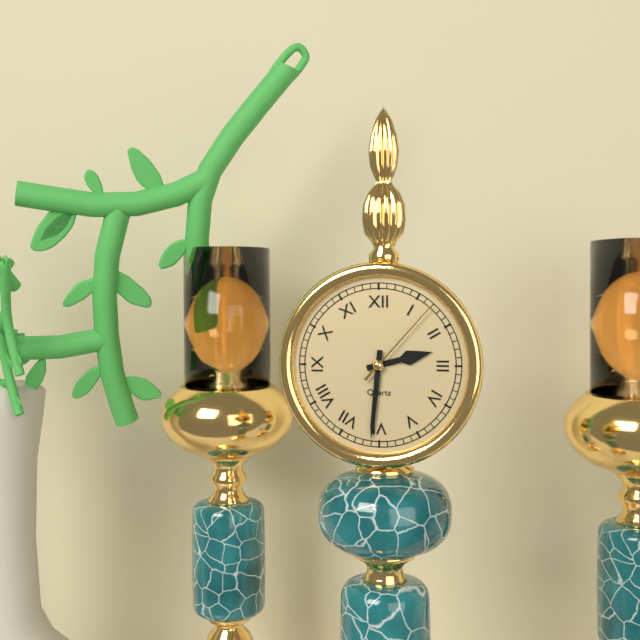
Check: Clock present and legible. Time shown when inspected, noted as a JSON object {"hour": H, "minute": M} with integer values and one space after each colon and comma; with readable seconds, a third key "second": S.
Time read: {"hour": 2, "minute": 31, "second": 7}
